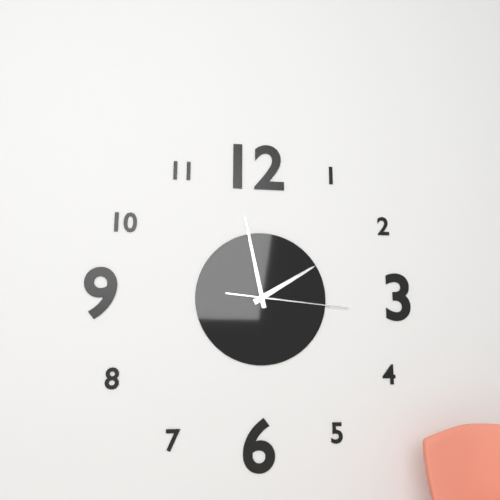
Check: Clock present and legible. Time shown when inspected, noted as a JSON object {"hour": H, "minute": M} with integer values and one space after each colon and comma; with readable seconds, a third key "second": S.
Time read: {"hour": 1, "minute": 58, "second": 16}
